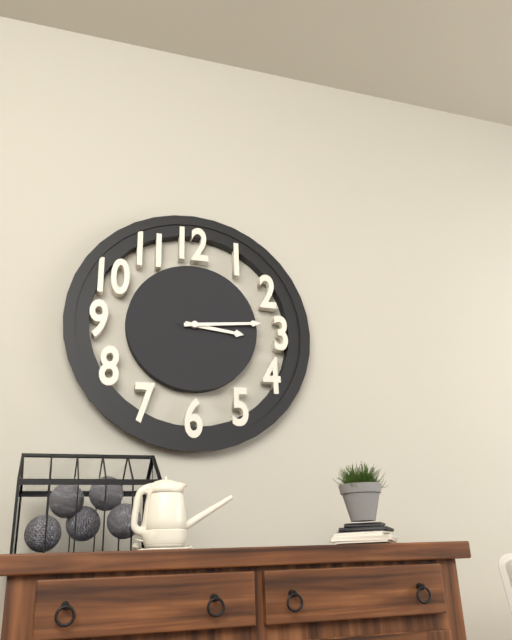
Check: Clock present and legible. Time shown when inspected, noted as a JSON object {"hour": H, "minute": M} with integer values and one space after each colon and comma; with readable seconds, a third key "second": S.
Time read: {"hour": 3, "minute": 14}
